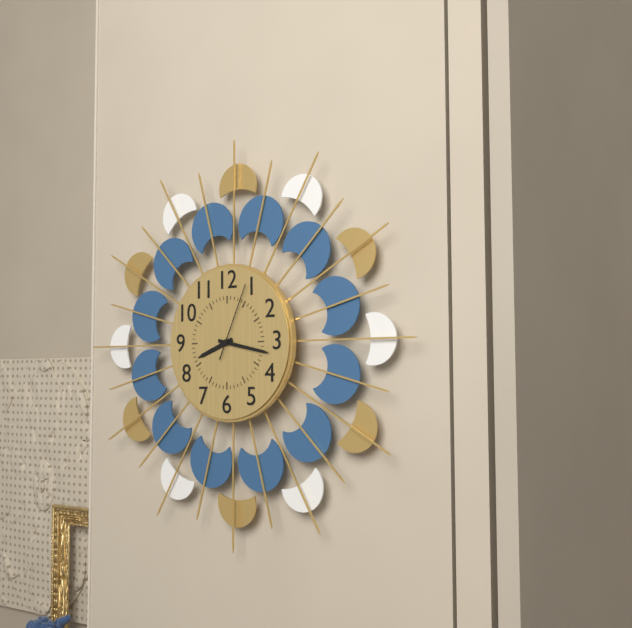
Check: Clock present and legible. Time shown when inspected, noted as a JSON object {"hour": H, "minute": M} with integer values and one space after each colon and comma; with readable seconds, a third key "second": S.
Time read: {"hour": 8, "minute": 17, "second": 4}
